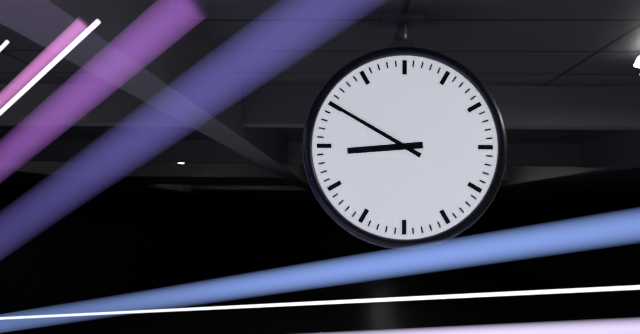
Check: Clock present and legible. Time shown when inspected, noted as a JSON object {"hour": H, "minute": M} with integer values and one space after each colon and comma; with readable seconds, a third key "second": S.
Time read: {"hour": 8, "minute": 50}
